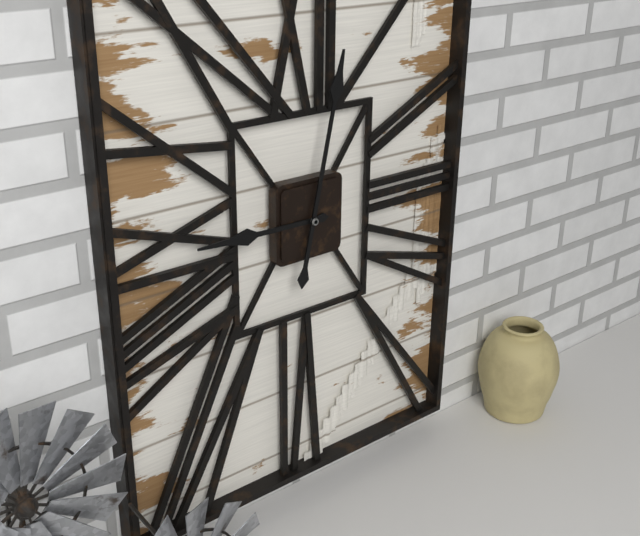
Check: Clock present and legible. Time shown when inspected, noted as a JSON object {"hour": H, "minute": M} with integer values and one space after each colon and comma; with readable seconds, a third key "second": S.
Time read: {"hour": 9, "minute": 2}
